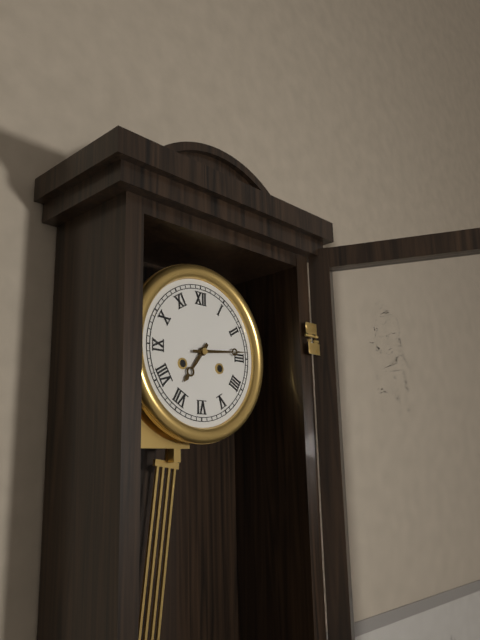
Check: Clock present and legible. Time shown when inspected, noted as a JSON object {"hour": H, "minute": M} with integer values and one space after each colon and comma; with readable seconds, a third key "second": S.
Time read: {"hour": 7, "minute": 14}
